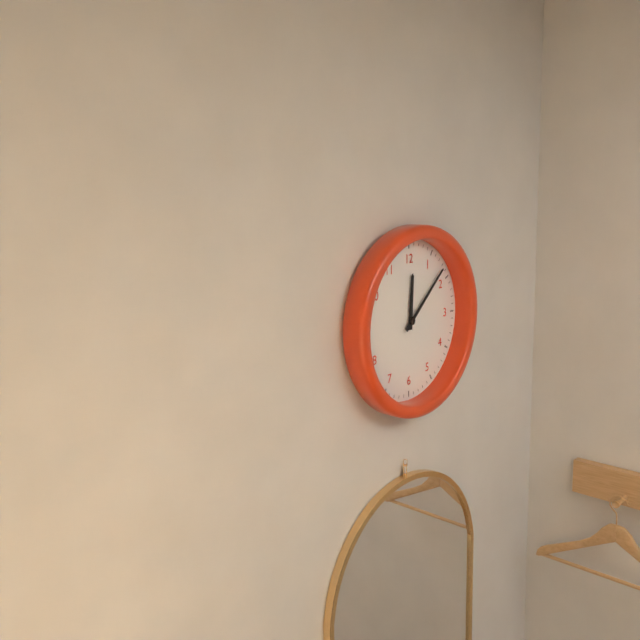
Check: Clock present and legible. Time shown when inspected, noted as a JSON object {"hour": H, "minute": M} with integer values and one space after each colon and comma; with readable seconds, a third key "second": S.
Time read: {"hour": 12, "minute": 8}
